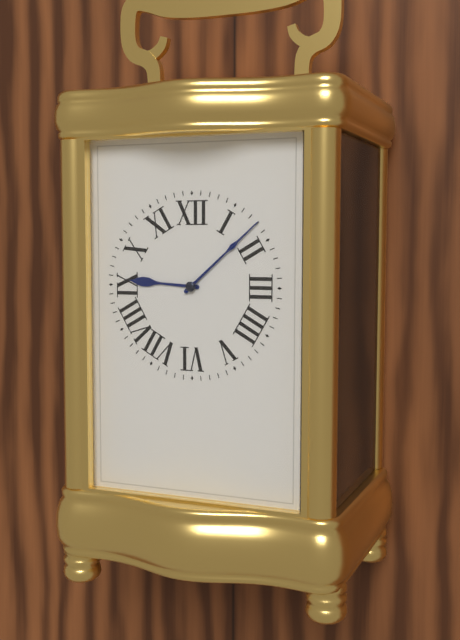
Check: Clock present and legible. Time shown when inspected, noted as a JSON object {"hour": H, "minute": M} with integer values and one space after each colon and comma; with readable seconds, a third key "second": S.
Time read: {"hour": 9, "minute": 8}
